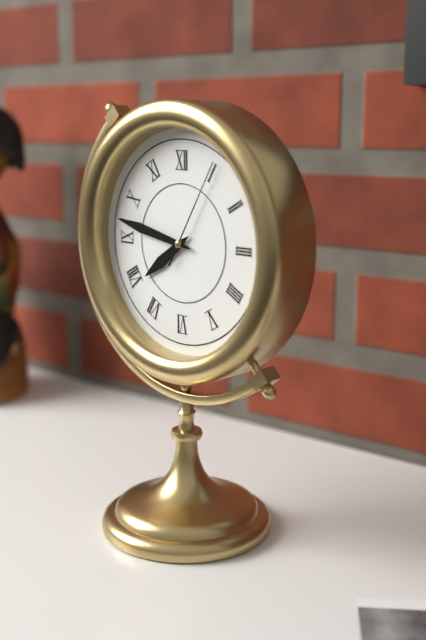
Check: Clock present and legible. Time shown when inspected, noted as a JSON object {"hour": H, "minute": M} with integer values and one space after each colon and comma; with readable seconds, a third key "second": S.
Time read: {"hour": 7, "minute": 47, "second": 5}
